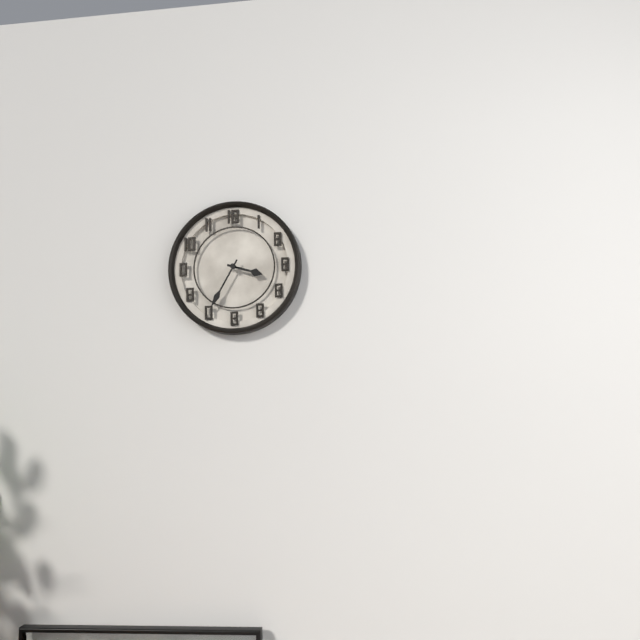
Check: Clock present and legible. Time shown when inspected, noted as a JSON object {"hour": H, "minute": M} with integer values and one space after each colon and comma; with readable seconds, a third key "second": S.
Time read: {"hour": 3, "minute": 35}
